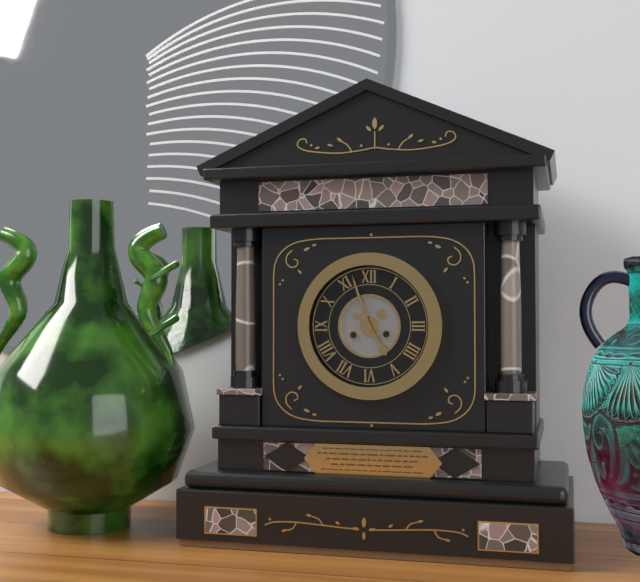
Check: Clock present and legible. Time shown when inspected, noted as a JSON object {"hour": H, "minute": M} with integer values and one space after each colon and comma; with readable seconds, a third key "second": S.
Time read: {"hour": 4, "minute": 57}
